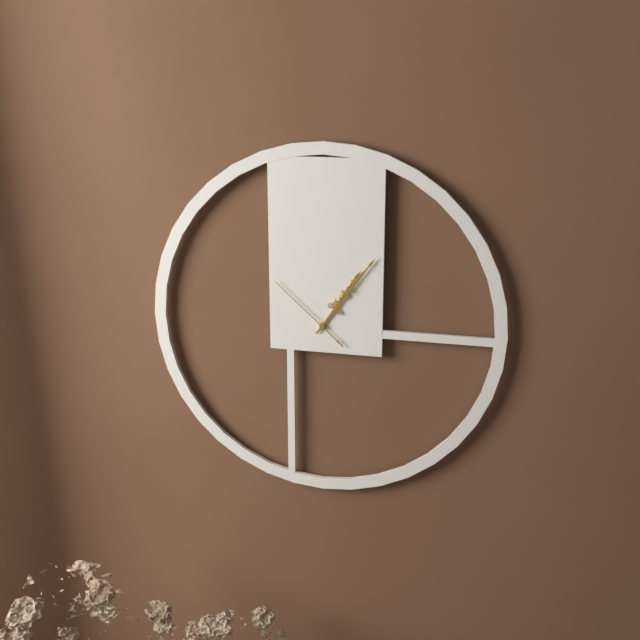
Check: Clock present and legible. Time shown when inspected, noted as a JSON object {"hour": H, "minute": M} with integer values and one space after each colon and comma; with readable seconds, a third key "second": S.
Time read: {"hour": 1, "minute": 6, "second": 52}
